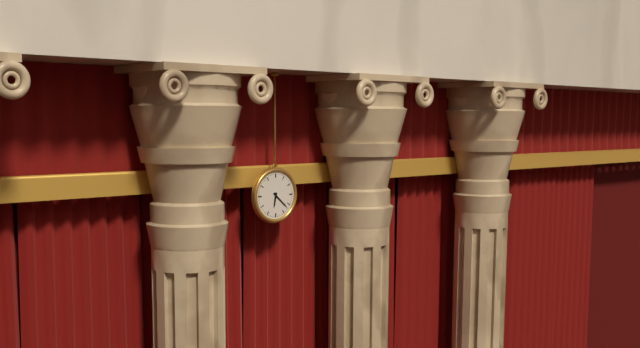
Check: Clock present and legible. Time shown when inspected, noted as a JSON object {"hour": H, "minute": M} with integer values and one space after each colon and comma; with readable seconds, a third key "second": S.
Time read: {"hour": 6, "minute": 22}
